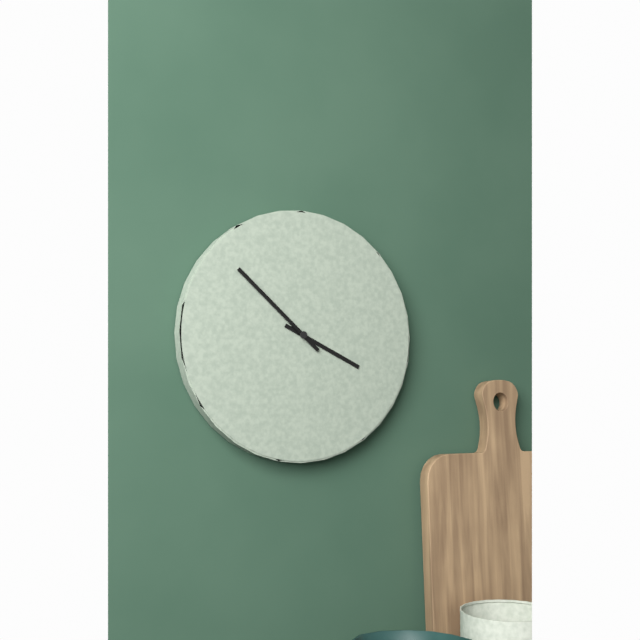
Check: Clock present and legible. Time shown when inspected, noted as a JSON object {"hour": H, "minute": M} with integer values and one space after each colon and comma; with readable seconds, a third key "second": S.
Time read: {"hour": 3, "minute": 52}
